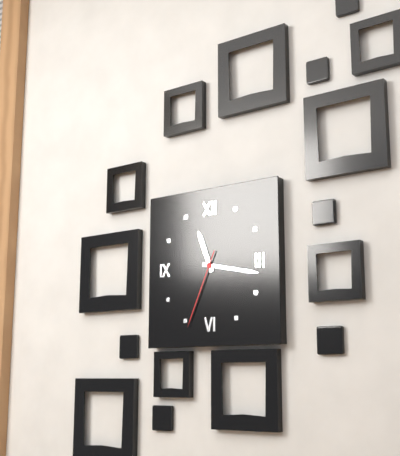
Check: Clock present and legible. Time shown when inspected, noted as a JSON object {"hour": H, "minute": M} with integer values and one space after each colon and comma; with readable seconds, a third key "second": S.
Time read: {"hour": 11, "minute": 17, "second": 34}
